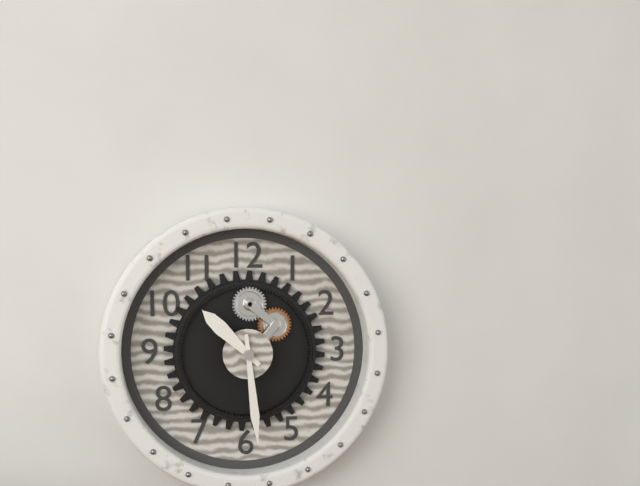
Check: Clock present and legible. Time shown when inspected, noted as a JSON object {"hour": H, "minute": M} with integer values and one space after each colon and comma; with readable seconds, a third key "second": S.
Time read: {"hour": 10, "minute": 29}
